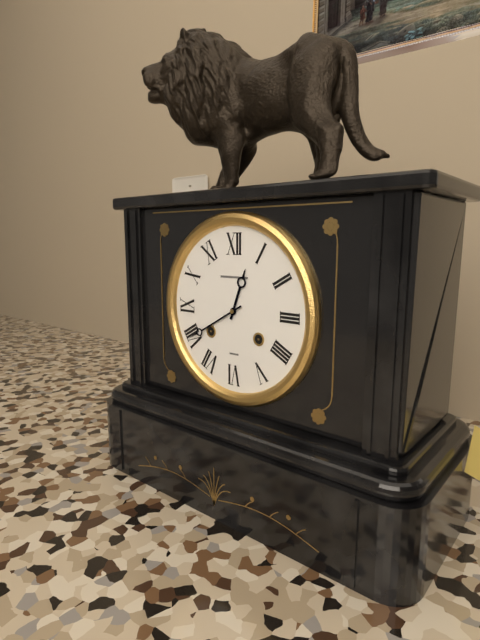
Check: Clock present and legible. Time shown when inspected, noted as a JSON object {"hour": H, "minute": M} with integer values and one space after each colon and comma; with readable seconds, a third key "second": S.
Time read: {"hour": 12, "minute": 40}
